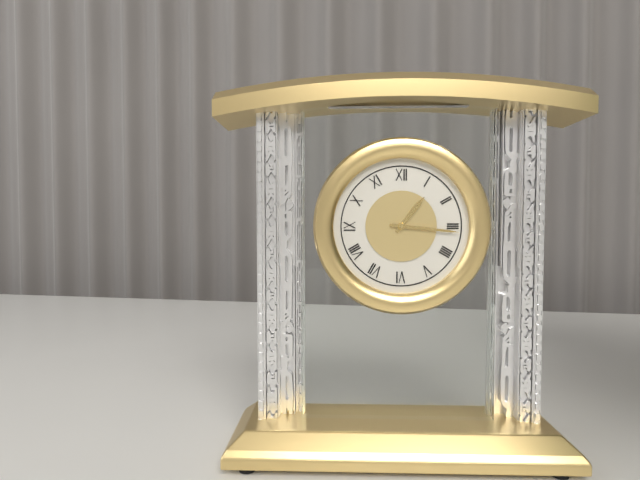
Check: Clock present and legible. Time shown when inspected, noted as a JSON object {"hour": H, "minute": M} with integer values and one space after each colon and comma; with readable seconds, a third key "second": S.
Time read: {"hour": 1, "minute": 16}
